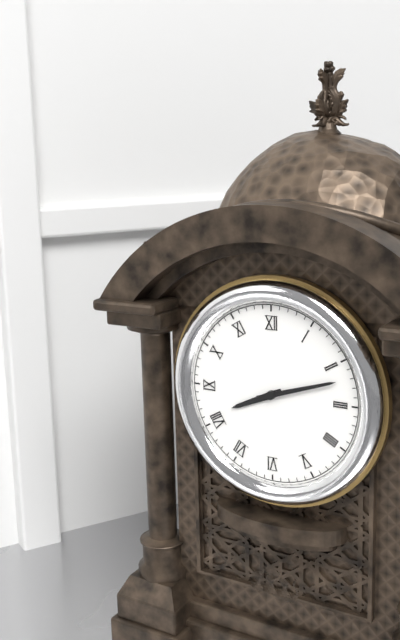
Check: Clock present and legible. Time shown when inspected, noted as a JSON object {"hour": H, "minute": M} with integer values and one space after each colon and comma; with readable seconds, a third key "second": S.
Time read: {"hour": 8, "minute": 12}
